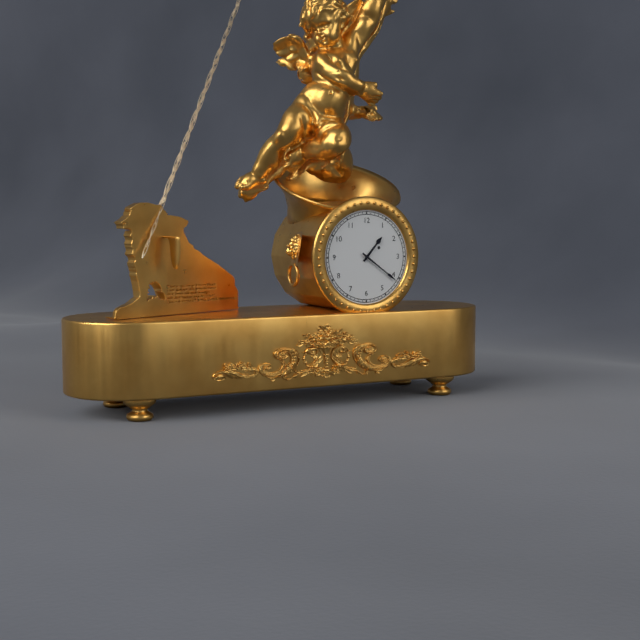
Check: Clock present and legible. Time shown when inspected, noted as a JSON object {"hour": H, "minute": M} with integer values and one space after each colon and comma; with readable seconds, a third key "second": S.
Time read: {"hour": 1, "minute": 21}
